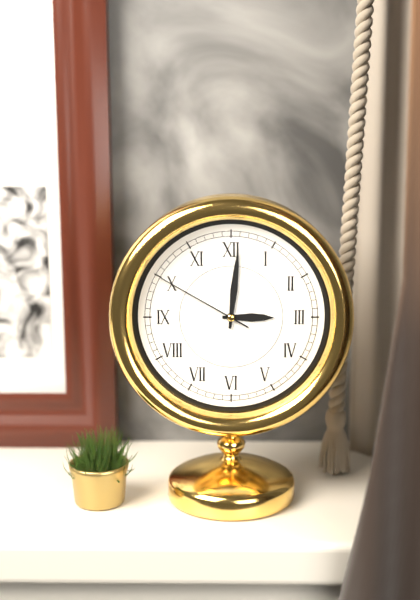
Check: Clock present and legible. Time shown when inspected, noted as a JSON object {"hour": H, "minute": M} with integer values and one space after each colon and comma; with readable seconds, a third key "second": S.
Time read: {"hour": 3, "minute": 1, "second": 50}
